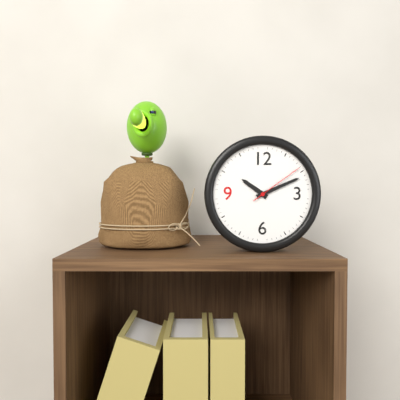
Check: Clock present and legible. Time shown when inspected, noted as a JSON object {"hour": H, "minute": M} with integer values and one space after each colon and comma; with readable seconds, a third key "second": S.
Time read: {"hour": 10, "minute": 11, "second": 9}
